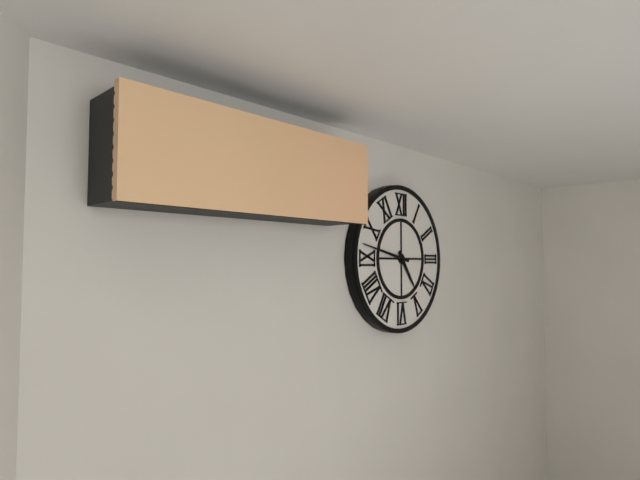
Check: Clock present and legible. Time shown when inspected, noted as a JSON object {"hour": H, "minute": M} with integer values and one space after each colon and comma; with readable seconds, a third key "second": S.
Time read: {"hour": 4, "minute": 47}
